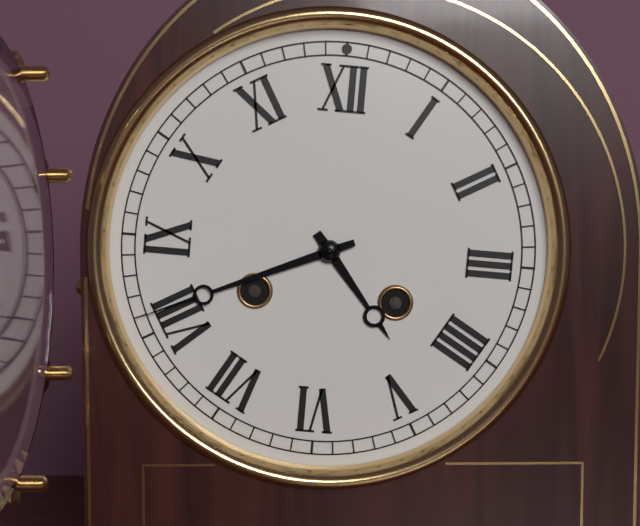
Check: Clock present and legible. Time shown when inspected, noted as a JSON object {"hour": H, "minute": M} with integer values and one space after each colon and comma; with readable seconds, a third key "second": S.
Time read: {"hour": 4, "minute": 41}
